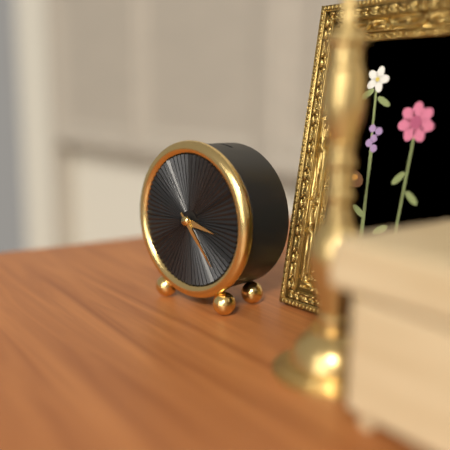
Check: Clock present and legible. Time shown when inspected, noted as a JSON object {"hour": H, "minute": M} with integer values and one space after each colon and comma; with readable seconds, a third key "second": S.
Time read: {"hour": 3, "minute": 23}
